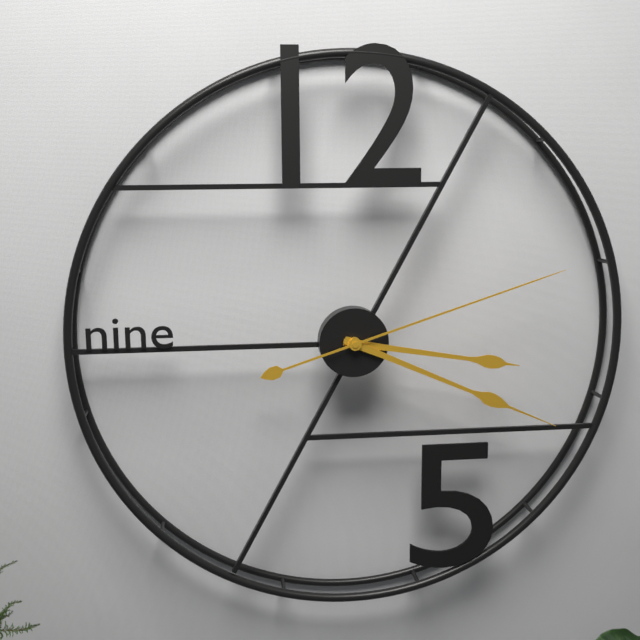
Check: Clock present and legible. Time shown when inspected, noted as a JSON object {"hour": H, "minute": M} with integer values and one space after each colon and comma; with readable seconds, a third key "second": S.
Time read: {"hour": 3, "minute": 19, "second": 12}
